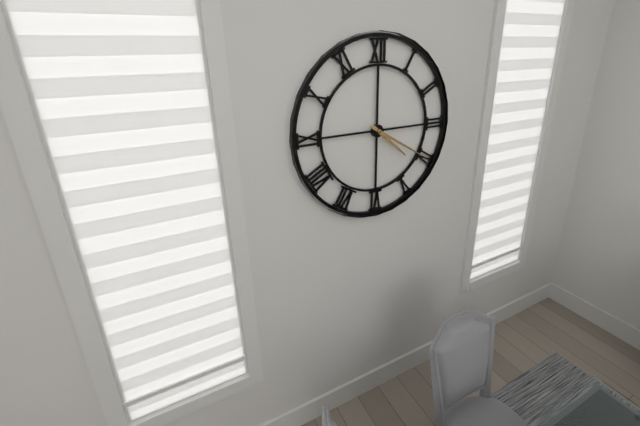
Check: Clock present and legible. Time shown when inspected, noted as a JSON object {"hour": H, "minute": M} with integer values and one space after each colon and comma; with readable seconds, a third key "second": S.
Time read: {"hour": 4, "minute": 20}
